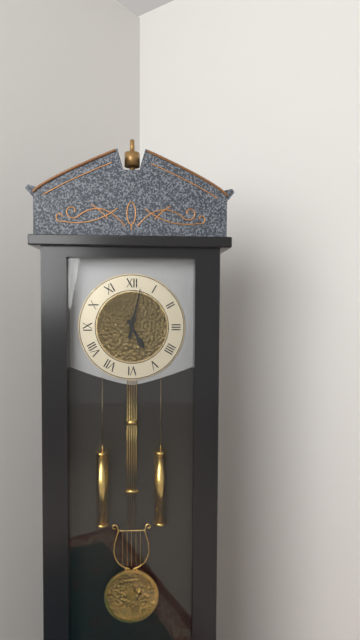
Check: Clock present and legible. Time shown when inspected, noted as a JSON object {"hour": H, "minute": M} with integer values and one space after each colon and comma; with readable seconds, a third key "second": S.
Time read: {"hour": 5, "minute": 2}
